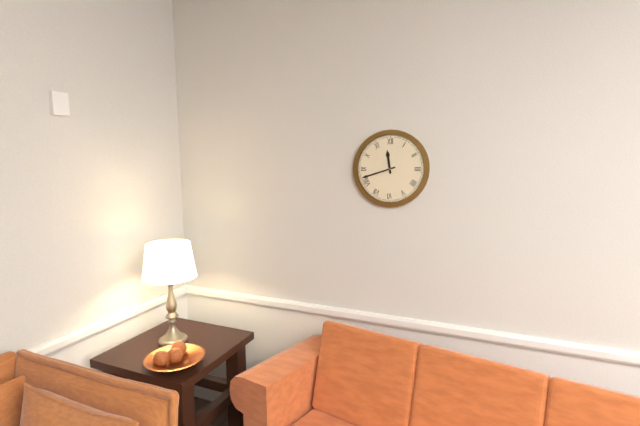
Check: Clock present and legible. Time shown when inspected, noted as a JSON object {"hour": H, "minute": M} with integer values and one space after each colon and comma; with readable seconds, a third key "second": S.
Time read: {"hour": 11, "minute": 42}
